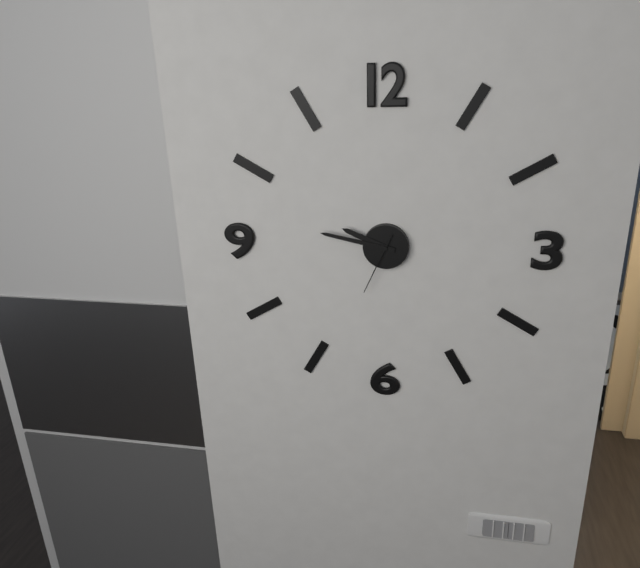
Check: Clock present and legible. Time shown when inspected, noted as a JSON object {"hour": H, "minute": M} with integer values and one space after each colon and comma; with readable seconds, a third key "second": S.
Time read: {"hour": 9, "minute": 47, "second": 34}
